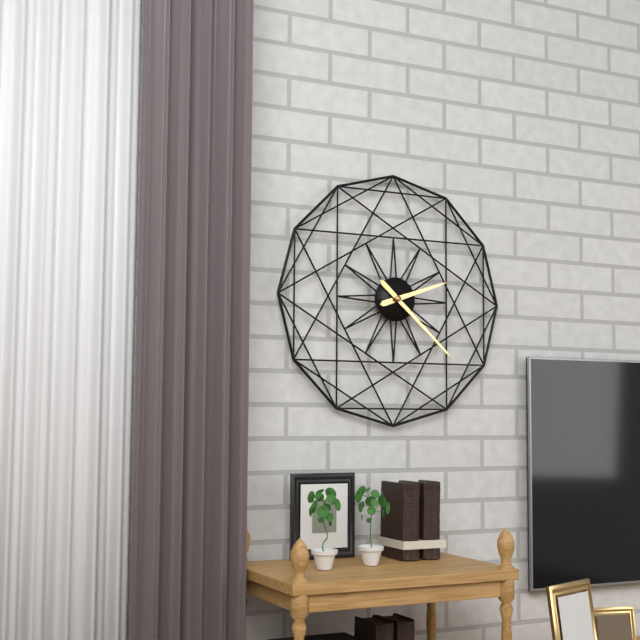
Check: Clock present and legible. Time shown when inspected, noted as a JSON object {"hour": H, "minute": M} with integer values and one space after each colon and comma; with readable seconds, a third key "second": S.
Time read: {"hour": 2, "minute": 22}
